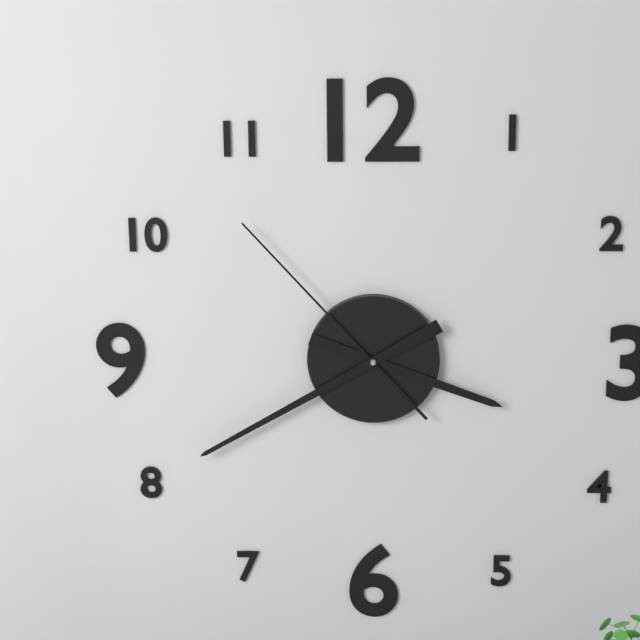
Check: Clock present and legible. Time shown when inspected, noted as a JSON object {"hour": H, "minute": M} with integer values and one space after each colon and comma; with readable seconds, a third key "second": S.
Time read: {"hour": 3, "minute": 40, "second": 53}
